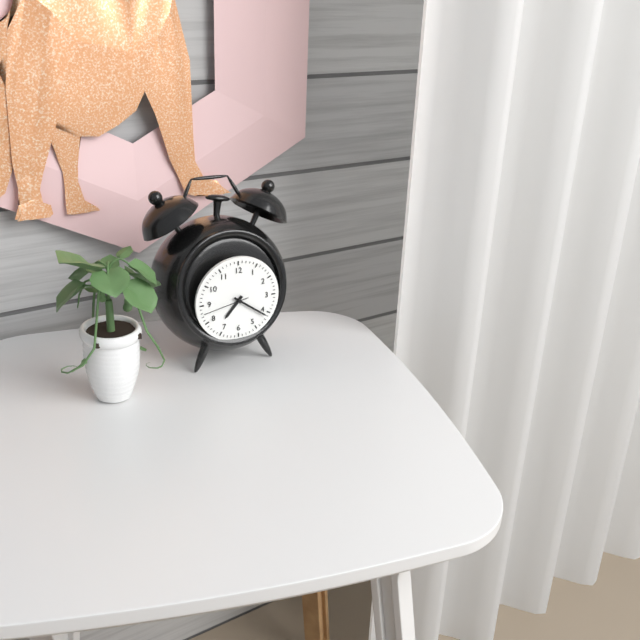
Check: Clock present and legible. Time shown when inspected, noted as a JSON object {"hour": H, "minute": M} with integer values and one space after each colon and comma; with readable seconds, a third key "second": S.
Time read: {"hour": 7, "minute": 21}
